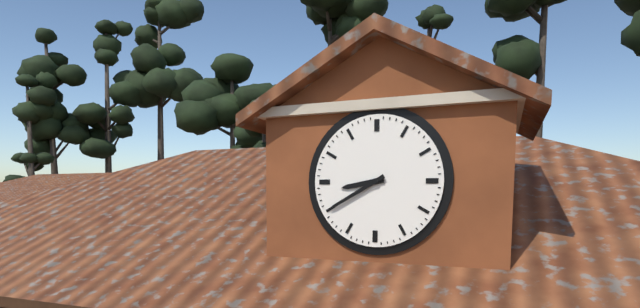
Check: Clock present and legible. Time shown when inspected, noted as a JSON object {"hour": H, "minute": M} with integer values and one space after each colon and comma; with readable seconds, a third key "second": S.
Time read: {"hour": 8, "minute": 40}
